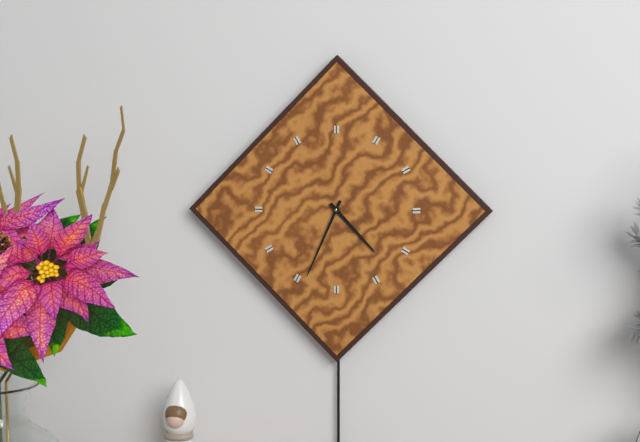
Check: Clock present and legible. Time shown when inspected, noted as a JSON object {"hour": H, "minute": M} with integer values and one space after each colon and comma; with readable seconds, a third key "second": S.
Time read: {"hour": 4, "minute": 34}
